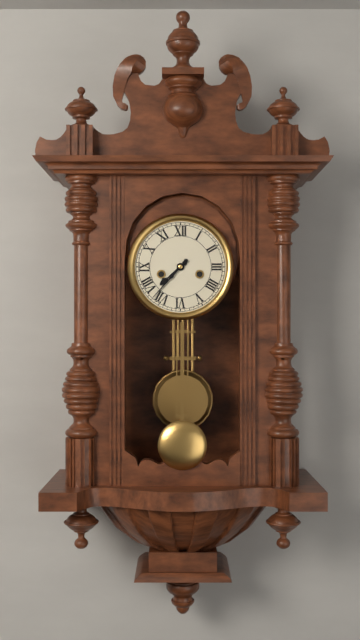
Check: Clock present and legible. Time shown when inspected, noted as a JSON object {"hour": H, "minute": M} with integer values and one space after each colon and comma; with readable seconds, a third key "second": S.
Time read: {"hour": 7, "minute": 37}
